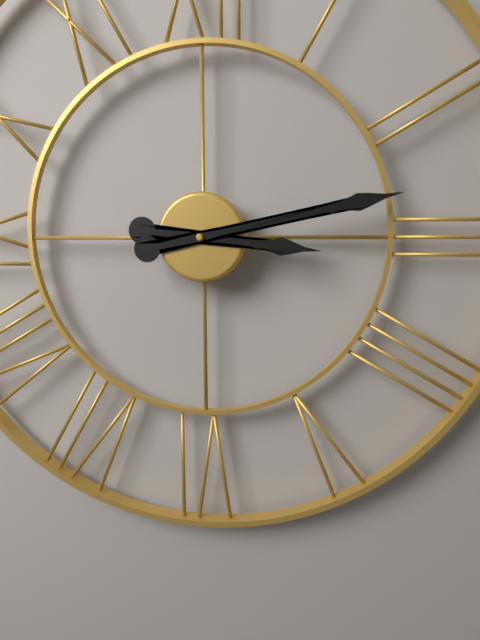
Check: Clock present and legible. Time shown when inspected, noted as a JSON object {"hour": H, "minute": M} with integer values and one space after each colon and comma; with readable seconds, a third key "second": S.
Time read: {"hour": 3, "minute": 13}
